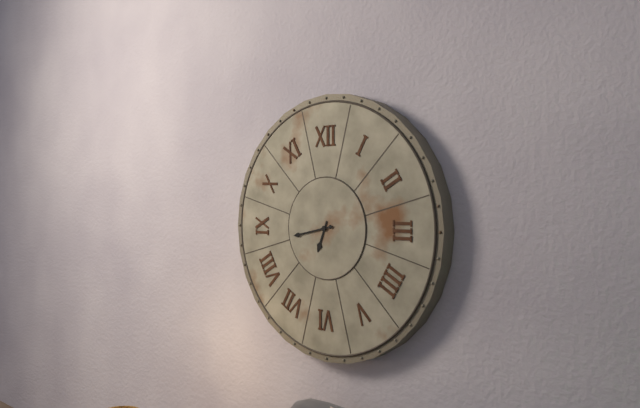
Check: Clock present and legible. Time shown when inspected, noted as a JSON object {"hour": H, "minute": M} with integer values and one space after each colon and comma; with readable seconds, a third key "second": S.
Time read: {"hour": 6, "minute": 43}
